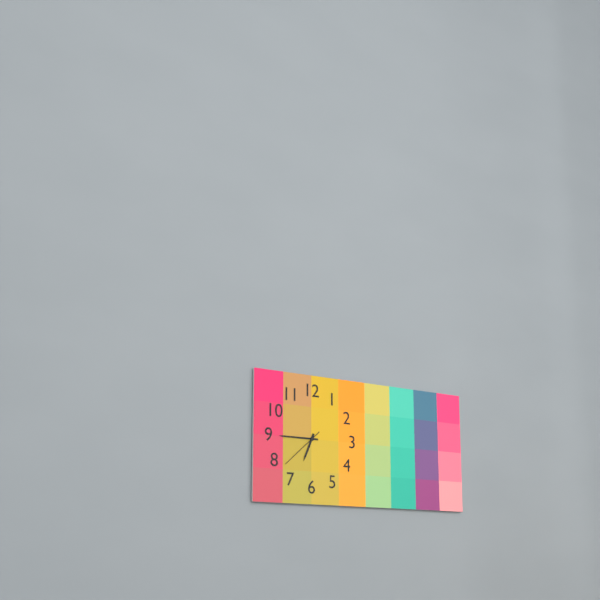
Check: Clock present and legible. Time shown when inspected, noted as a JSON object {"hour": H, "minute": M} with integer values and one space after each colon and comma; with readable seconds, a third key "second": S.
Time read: {"hour": 6, "minute": 45}
